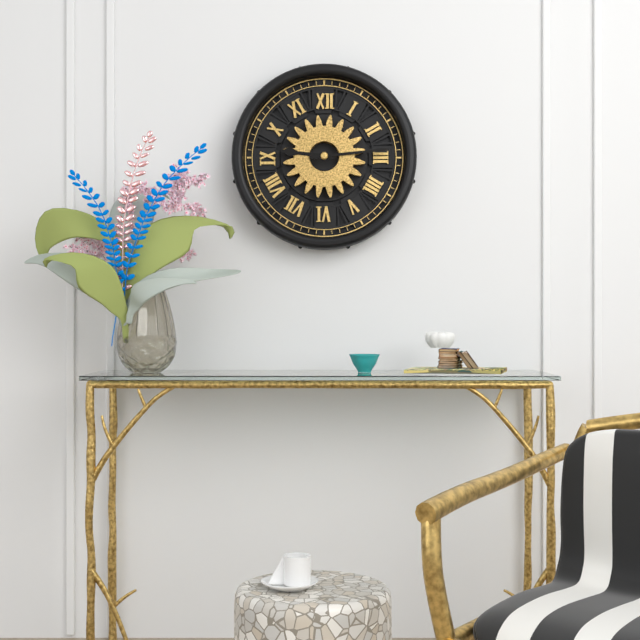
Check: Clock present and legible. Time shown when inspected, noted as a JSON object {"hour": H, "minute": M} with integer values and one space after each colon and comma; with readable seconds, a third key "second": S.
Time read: {"hour": 9, "minute": 14}
